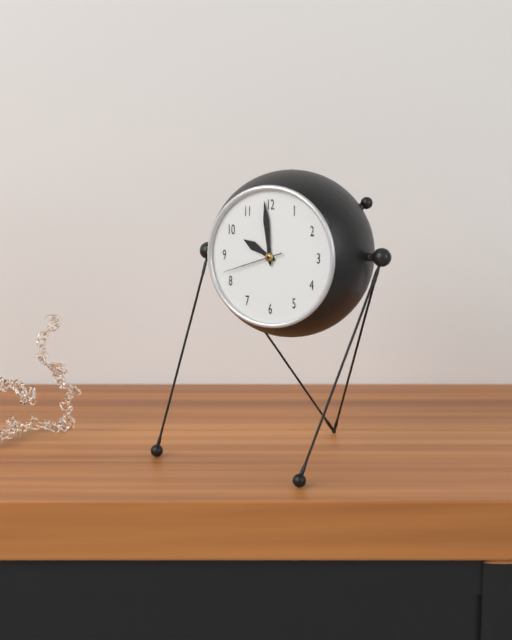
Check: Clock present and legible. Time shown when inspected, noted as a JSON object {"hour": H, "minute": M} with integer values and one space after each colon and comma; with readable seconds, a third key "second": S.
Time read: {"hour": 9, "minute": 59, "second": 42}
